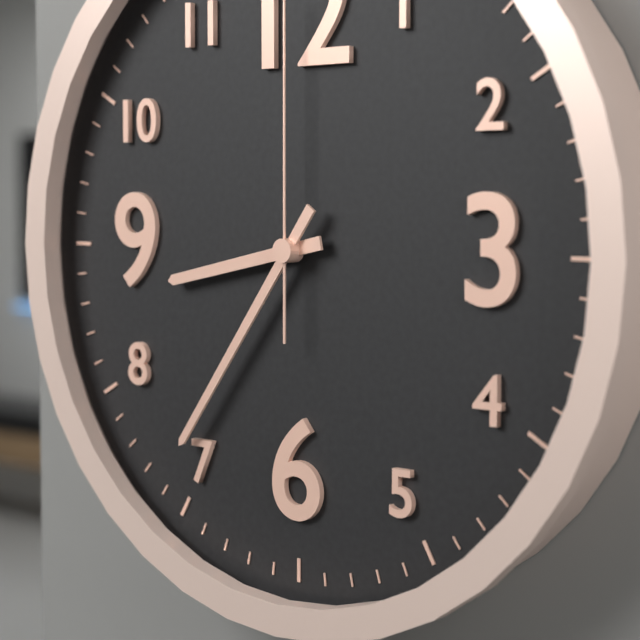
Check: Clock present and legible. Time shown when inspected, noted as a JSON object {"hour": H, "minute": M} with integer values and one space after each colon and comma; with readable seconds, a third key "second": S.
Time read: {"hour": 8, "minute": 36}
